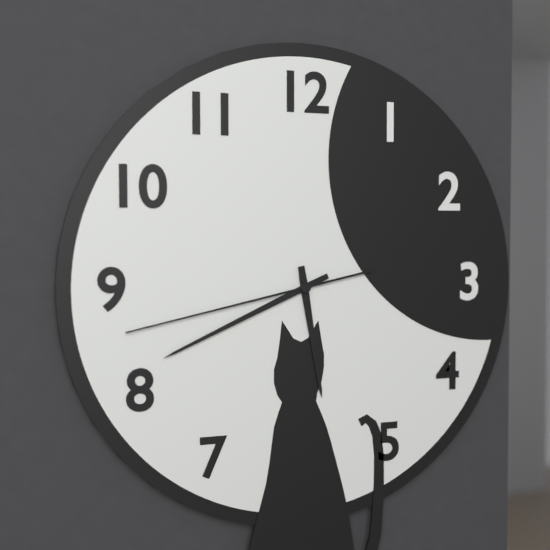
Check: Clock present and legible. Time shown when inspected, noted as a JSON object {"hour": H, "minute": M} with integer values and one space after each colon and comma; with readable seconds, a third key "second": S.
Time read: {"hour": 5, "minute": 41, "second": 43}
